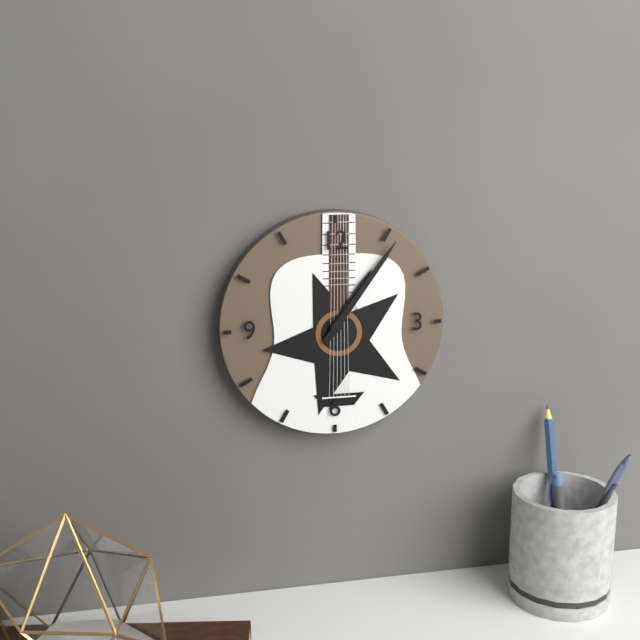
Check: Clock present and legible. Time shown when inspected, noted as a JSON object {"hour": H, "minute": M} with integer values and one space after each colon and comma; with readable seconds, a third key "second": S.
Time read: {"hour": 1, "minute": 6}
